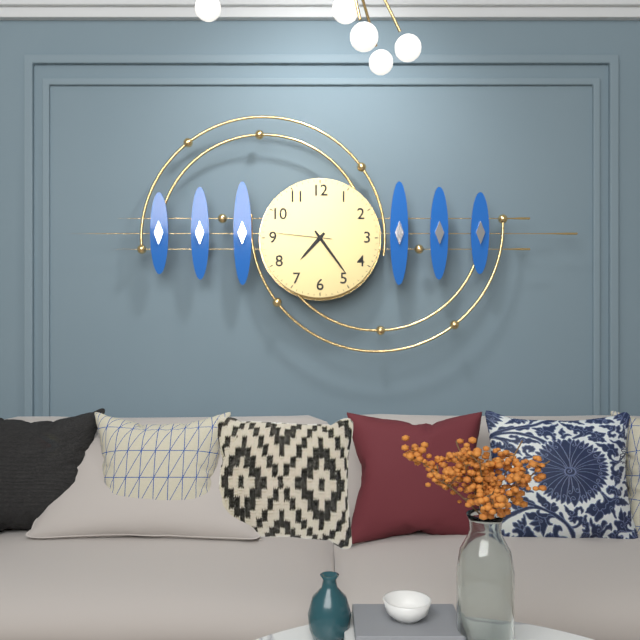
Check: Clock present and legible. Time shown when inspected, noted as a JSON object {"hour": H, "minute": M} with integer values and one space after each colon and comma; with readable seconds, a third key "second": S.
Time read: {"hour": 7, "minute": 24, "second": 46}
